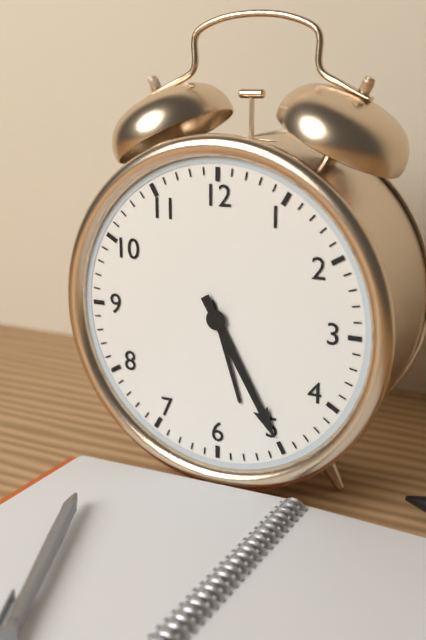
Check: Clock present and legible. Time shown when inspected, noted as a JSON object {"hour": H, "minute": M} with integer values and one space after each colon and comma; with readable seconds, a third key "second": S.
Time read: {"hour": 5, "minute": 25}
